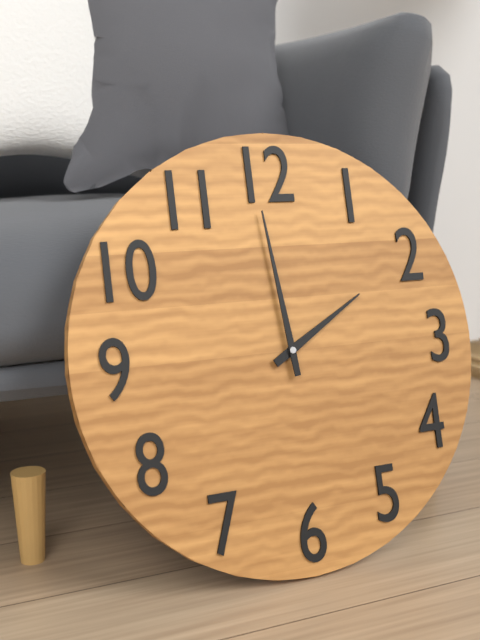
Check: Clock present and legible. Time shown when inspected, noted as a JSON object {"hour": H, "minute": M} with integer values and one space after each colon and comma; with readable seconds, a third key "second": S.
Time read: {"hour": 1, "minute": 59}
